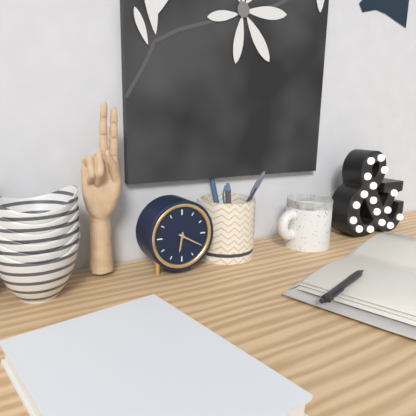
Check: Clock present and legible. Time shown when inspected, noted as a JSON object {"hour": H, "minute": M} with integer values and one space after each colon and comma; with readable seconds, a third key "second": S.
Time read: {"hour": 6, "minute": 20}
